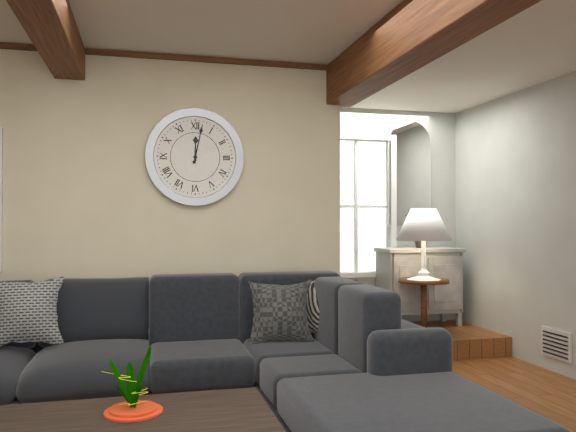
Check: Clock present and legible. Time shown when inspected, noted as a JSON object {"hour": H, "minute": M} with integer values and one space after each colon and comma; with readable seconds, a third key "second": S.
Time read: {"hour": 12, "minute": 2}
